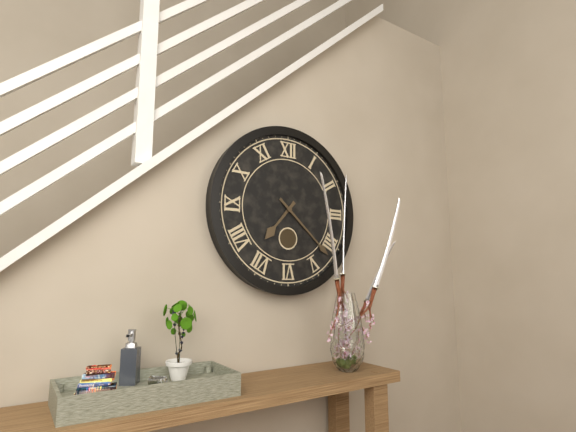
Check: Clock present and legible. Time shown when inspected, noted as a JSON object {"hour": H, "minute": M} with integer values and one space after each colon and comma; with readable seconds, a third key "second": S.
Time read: {"hour": 7, "minute": 22}
